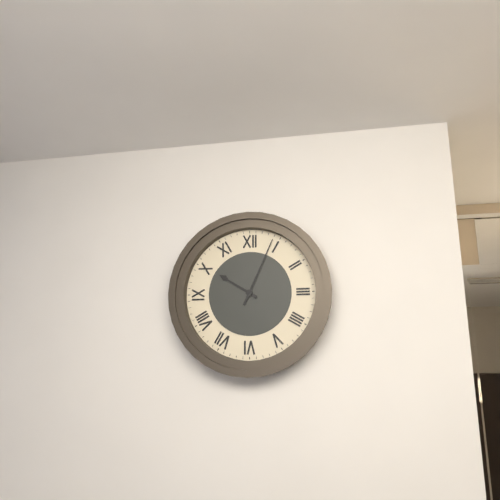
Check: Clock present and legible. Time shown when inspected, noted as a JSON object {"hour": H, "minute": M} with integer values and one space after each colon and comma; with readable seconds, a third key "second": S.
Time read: {"hour": 10, "minute": 4}
